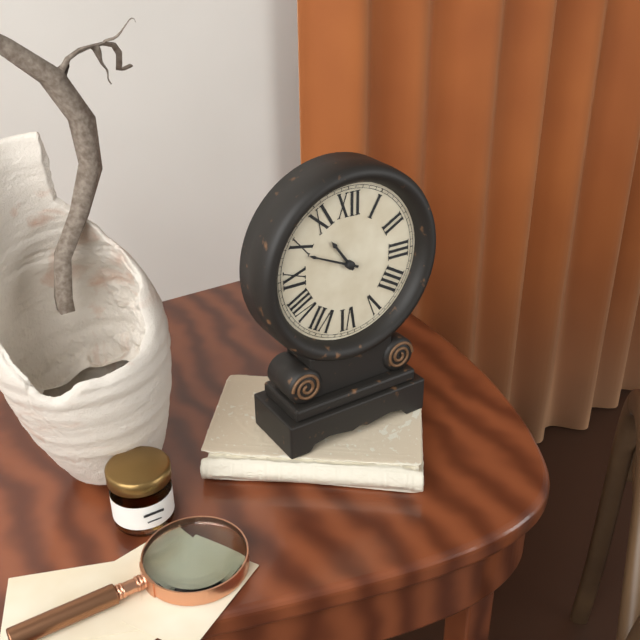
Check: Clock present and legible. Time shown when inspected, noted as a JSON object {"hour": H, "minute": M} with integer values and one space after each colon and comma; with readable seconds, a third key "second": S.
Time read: {"hour": 10, "minute": 49}
